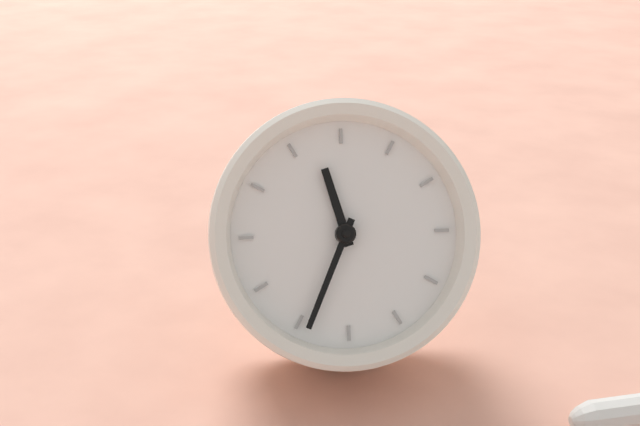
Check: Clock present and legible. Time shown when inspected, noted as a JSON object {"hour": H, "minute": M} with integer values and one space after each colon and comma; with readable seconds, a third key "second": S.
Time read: {"hour": 10, "minute": 29}
